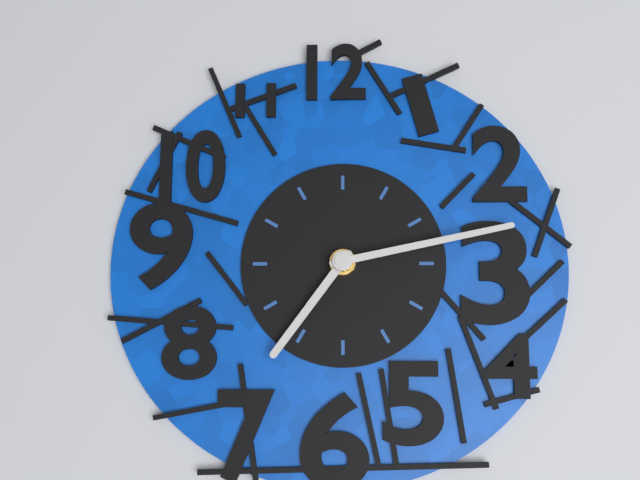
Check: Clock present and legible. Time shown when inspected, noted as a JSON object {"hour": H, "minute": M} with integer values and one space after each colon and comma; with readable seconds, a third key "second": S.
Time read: {"hour": 7, "minute": 13}
